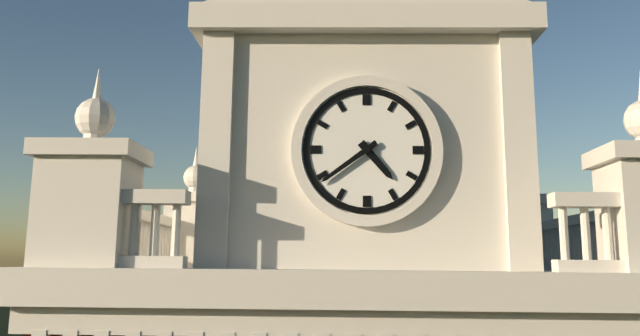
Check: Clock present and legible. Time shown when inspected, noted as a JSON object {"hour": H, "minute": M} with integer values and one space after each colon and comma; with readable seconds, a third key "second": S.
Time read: {"hour": 4, "minute": 39}
